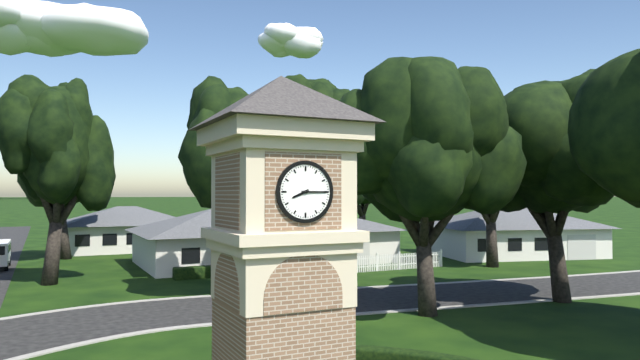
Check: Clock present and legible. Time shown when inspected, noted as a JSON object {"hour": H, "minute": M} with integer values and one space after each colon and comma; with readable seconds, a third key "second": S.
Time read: {"hour": 8, "minute": 15}
